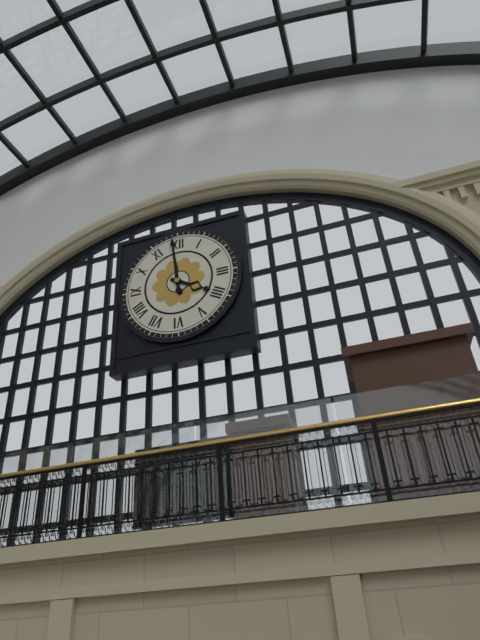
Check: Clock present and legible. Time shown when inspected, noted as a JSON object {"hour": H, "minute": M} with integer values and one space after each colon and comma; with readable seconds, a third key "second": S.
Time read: {"hour": 3, "minute": 59}
